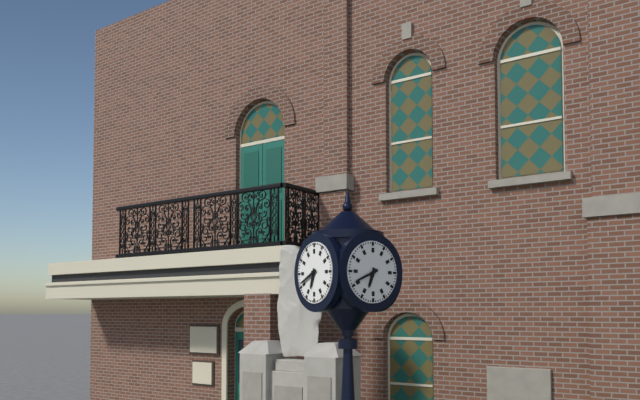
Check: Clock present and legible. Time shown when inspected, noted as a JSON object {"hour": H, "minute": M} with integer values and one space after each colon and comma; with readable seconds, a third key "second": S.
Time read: {"hour": 6, "minute": 41}
